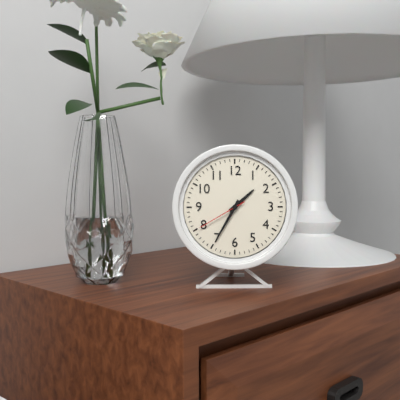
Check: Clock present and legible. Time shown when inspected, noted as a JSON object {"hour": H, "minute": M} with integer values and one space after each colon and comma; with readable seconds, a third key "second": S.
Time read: {"hour": 1, "minute": 35, "second": 40}
